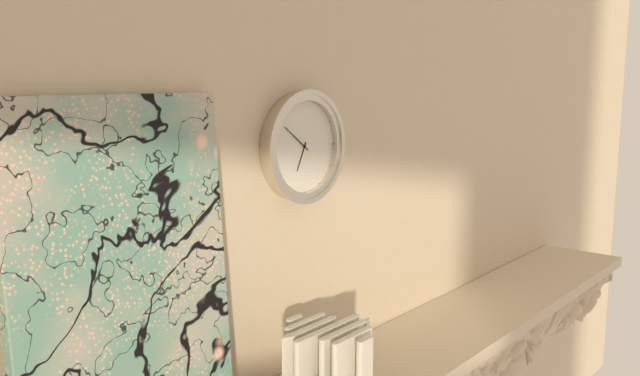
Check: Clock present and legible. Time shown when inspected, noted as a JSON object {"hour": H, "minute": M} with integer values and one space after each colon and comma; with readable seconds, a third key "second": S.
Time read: {"hour": 6, "minute": 51}
